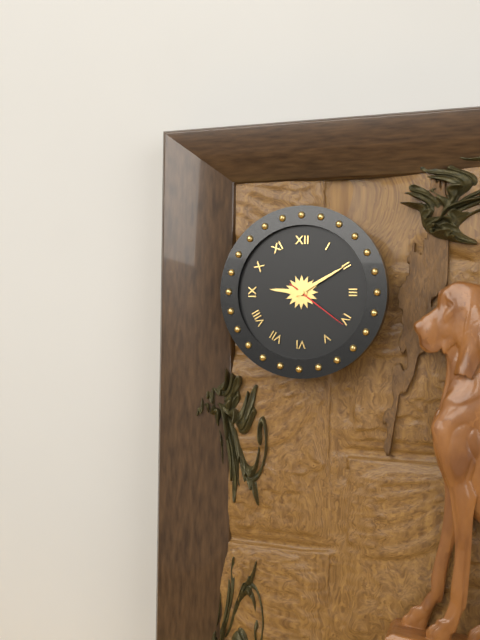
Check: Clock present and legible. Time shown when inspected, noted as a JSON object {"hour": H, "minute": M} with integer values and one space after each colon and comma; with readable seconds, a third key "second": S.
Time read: {"hour": 9, "minute": 10, "second": 21}
